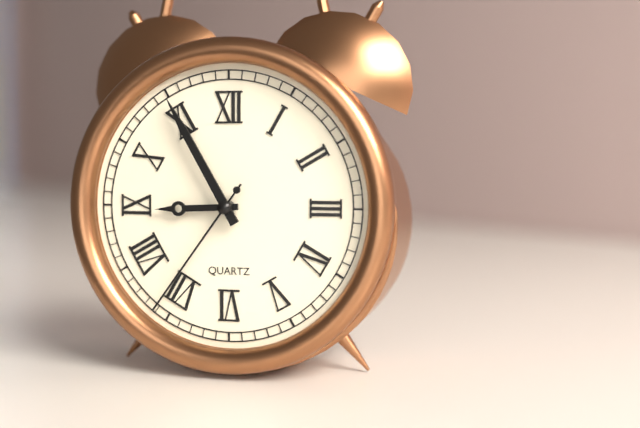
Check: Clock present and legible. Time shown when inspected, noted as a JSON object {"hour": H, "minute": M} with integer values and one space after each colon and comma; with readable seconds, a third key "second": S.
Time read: {"hour": 8, "minute": 55, "second": 36}
